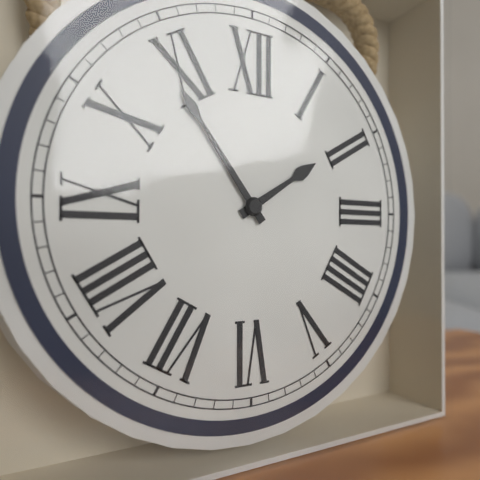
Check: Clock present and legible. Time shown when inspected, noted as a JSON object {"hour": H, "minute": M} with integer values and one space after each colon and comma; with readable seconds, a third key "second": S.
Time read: {"hour": 1, "minute": 54}
